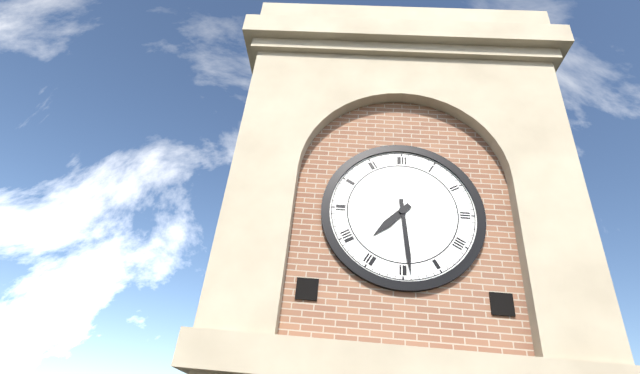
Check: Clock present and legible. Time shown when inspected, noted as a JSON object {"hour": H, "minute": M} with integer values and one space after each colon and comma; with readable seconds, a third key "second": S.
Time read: {"hour": 7, "minute": 29}
